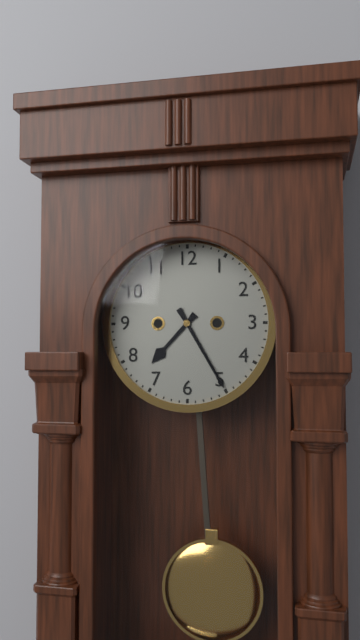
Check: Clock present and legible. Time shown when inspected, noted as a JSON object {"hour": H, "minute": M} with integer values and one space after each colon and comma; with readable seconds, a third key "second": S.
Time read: {"hour": 7, "minute": 25}
